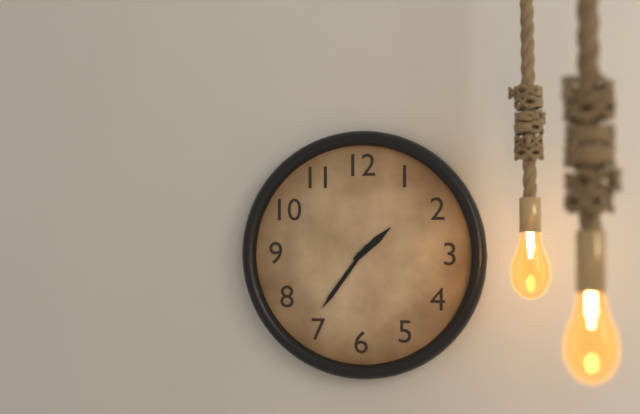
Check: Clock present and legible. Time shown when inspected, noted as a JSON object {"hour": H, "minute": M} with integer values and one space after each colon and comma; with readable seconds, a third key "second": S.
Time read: {"hour": 1, "minute": 36}
